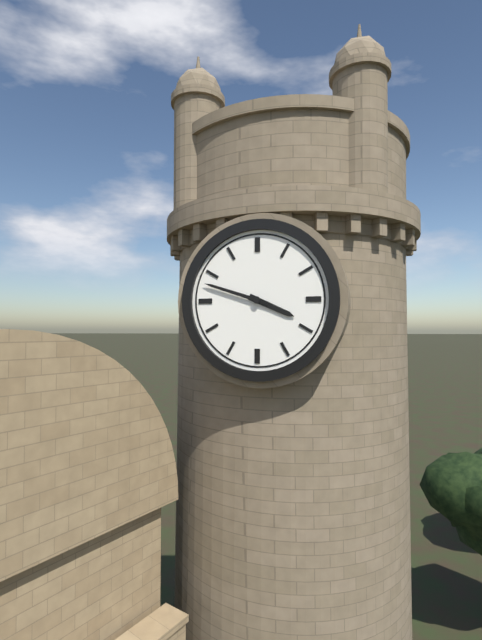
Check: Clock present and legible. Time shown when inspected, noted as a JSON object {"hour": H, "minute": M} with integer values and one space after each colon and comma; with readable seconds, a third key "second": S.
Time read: {"hour": 3, "minute": 48}
